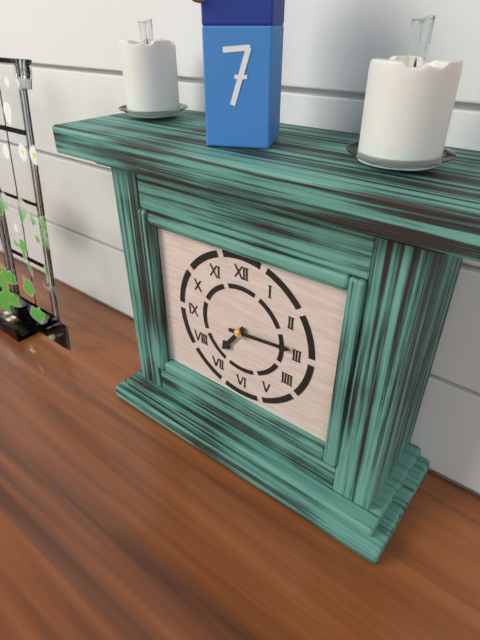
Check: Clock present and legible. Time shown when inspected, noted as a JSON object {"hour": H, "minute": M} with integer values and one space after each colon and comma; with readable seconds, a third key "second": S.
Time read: {"hour": 7, "minute": 14}
